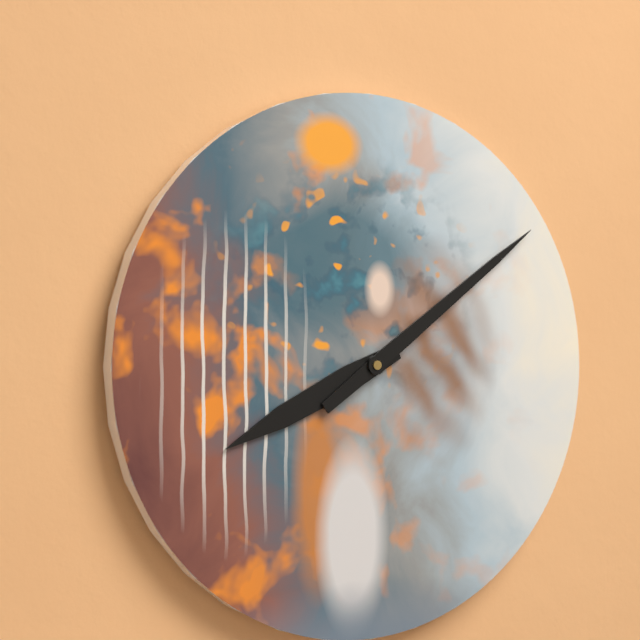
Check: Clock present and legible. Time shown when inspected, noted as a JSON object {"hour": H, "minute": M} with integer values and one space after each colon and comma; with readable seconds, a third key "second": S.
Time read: {"hour": 8, "minute": 9}
